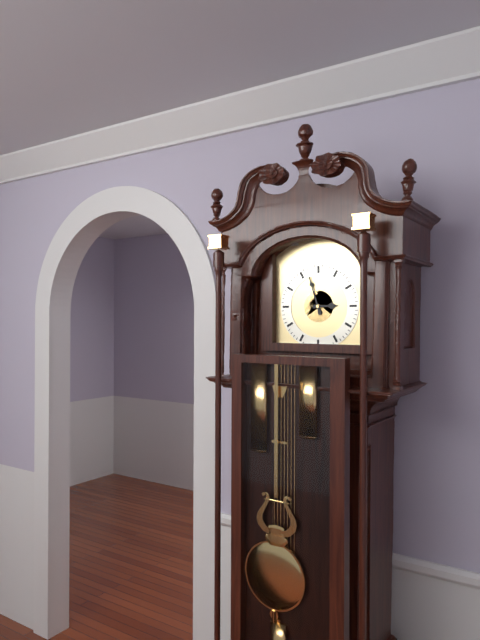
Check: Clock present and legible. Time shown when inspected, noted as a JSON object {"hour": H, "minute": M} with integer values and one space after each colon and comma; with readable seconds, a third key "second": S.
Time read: {"hour": 2, "minute": 57}
